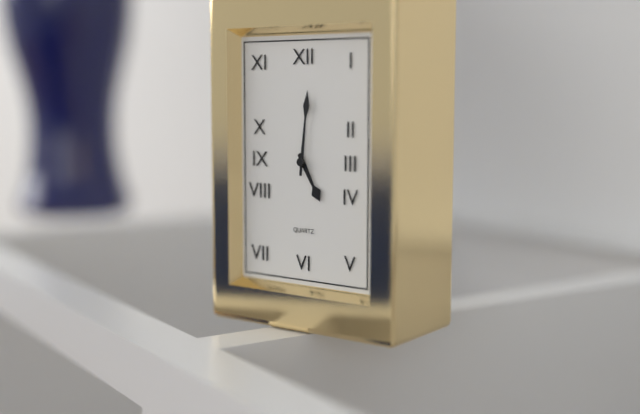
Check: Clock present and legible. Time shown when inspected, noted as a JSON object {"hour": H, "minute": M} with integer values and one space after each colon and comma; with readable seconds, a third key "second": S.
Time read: {"hour": 5, "minute": 1}
